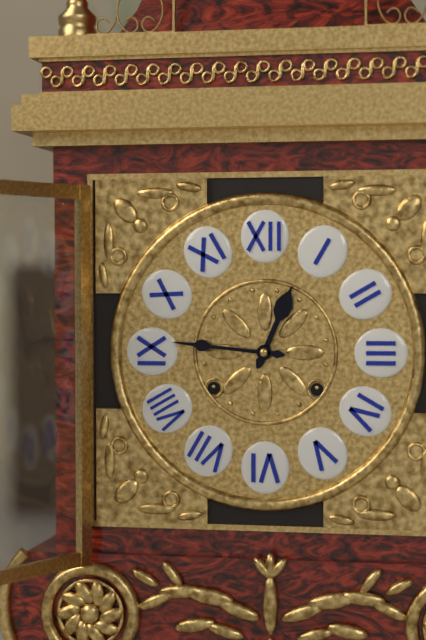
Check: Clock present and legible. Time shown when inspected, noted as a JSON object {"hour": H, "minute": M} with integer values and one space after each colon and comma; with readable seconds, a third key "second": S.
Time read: {"hour": 12, "minute": 46}
